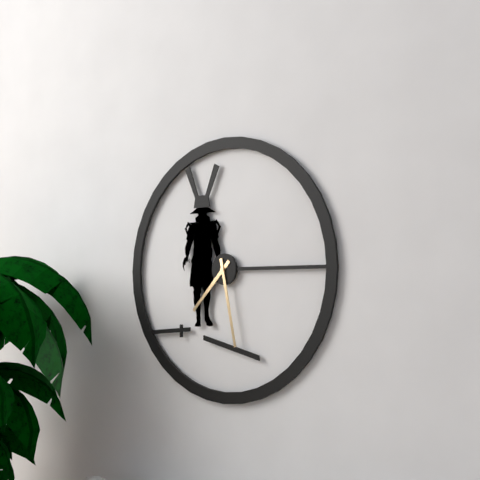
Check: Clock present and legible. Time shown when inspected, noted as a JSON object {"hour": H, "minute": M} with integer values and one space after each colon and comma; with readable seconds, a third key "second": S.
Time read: {"hour": 7, "minute": 28}
